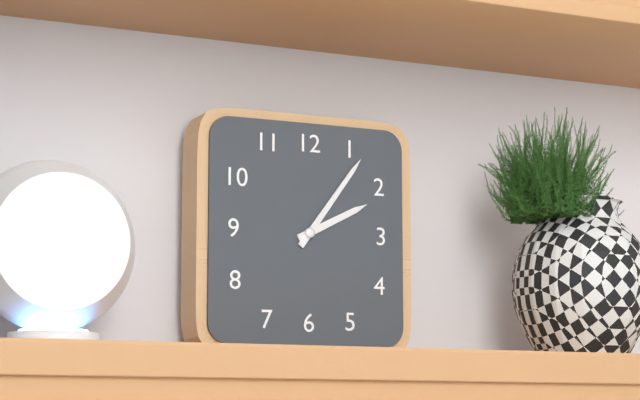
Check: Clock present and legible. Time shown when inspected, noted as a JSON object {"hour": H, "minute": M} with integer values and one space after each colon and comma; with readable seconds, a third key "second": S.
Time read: {"hour": 2, "minute": 6}
